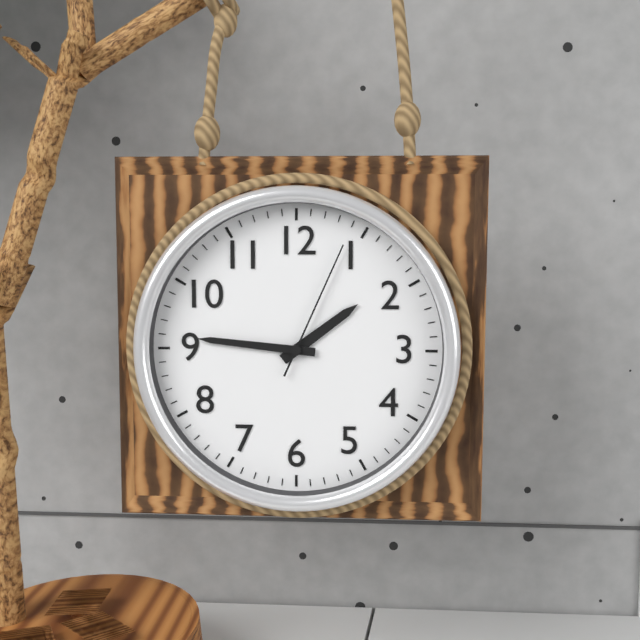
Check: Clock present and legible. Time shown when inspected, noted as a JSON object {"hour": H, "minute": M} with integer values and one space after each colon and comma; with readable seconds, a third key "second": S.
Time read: {"hour": 1, "minute": 46, "second": 4}
